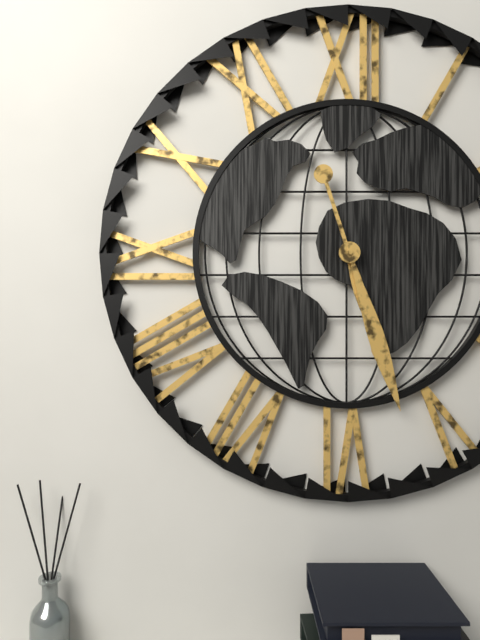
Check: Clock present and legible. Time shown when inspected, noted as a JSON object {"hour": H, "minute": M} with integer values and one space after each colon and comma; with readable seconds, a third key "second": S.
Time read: {"hour": 5, "minute": 27}
